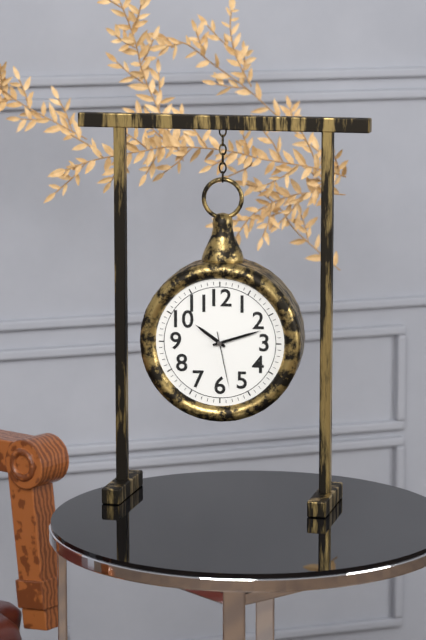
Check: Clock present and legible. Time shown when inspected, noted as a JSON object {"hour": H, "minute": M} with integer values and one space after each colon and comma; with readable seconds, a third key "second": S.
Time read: {"hour": 10, "minute": 12, "second": 28}
